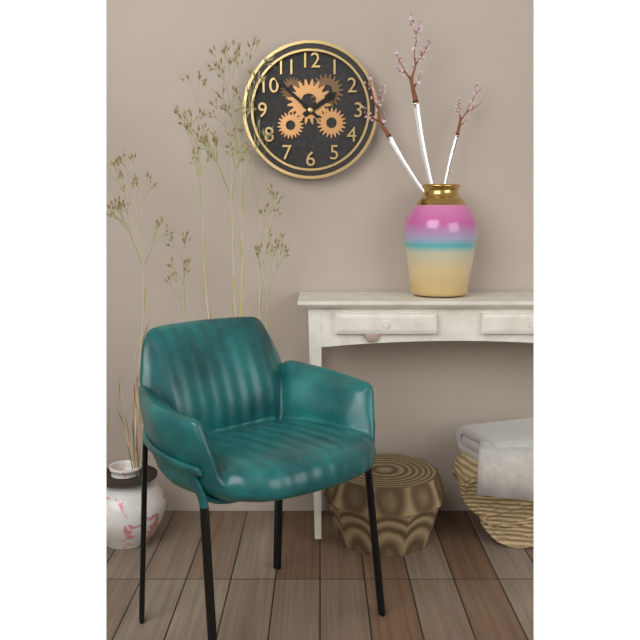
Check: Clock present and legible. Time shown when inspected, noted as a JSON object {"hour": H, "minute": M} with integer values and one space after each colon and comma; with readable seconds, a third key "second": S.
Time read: {"hour": 1, "minute": 52}
